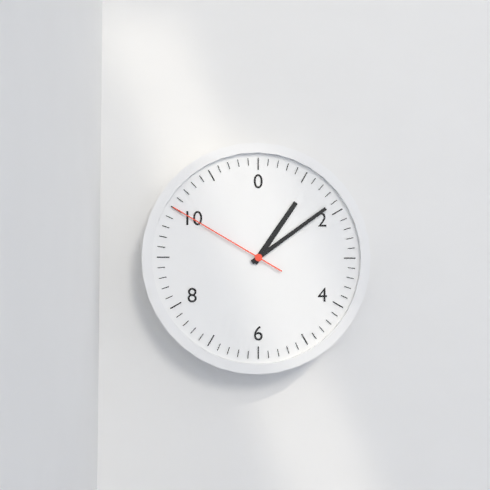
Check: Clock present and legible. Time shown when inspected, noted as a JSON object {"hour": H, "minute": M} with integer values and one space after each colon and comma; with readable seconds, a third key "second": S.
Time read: {"hour": 1, "minute": 9, "second": 50}
